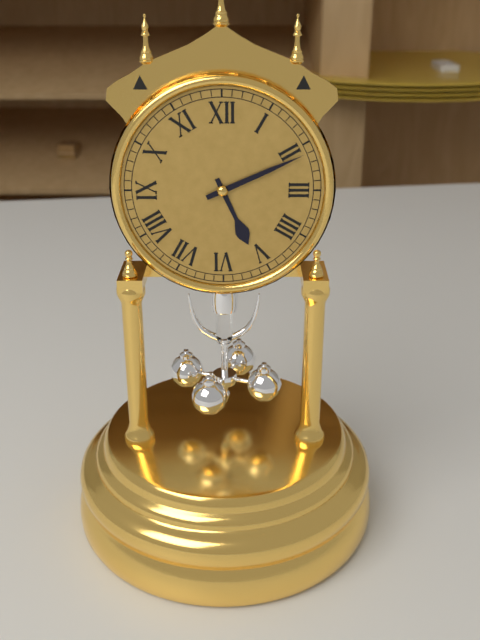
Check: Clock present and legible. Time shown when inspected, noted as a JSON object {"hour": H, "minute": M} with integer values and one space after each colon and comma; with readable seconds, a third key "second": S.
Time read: {"hour": 5, "minute": 11}
